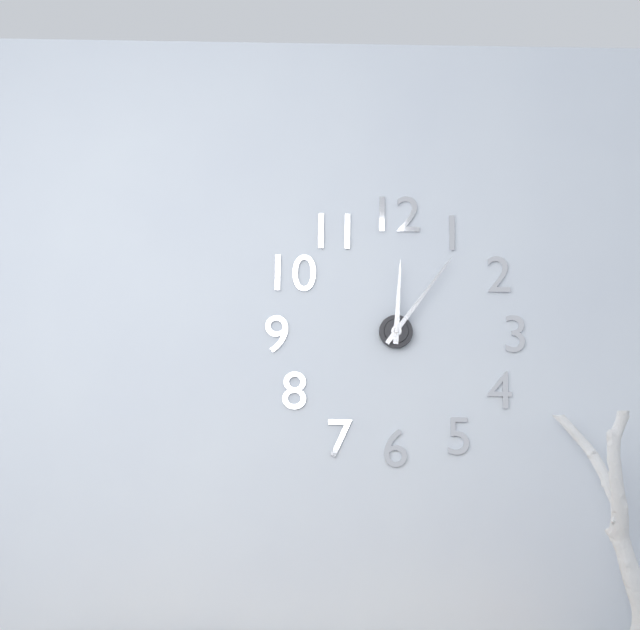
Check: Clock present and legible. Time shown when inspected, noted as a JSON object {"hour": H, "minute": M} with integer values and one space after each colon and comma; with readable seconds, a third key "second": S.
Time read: {"hour": 12, "minute": 6}
